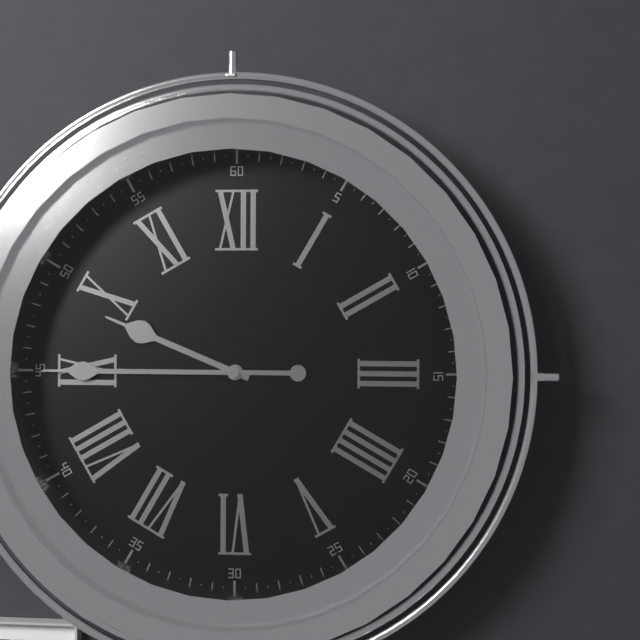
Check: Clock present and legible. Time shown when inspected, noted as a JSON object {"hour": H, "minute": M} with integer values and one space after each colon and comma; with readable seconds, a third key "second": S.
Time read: {"hour": 9, "minute": 45}
